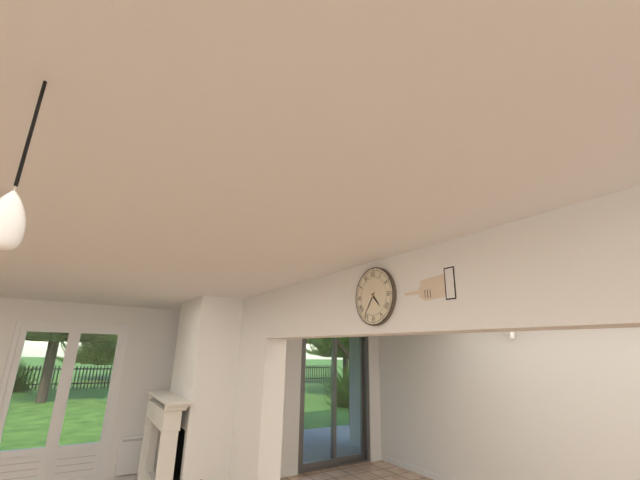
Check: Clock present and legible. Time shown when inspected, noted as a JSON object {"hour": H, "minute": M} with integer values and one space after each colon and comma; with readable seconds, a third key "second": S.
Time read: {"hour": 4, "minute": 36}
